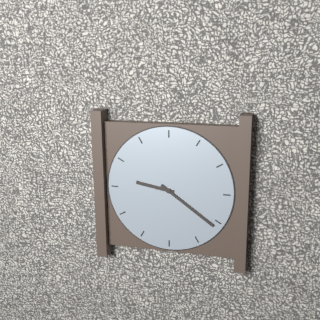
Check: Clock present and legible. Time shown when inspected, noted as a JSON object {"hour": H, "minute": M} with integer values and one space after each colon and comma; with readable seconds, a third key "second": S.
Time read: {"hour": 9, "minute": 21}
